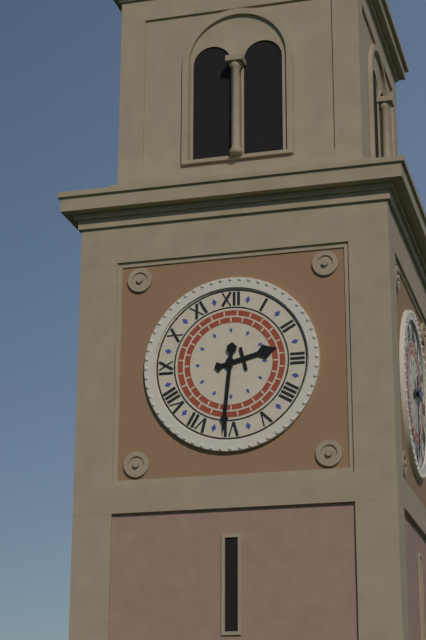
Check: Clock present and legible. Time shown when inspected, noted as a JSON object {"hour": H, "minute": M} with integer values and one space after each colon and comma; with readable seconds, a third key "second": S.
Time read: {"hour": 2, "minute": 31}
